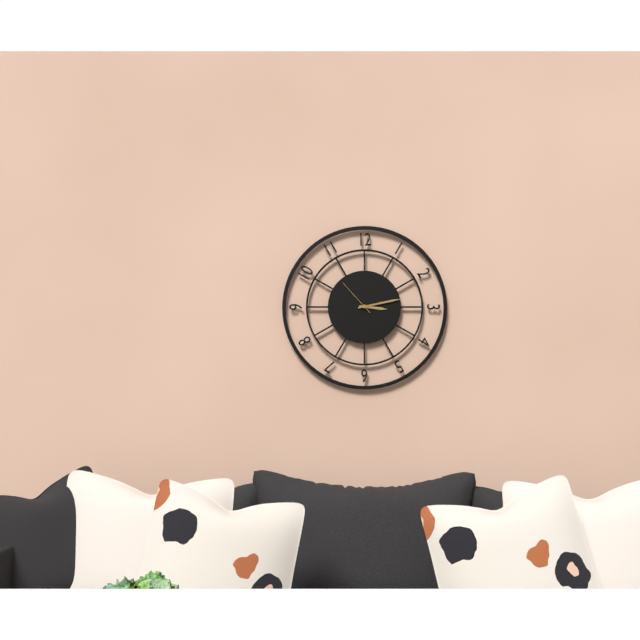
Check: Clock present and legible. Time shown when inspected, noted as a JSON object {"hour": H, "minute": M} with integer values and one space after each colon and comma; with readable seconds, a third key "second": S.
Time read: {"hour": 3, "minute": 13}
